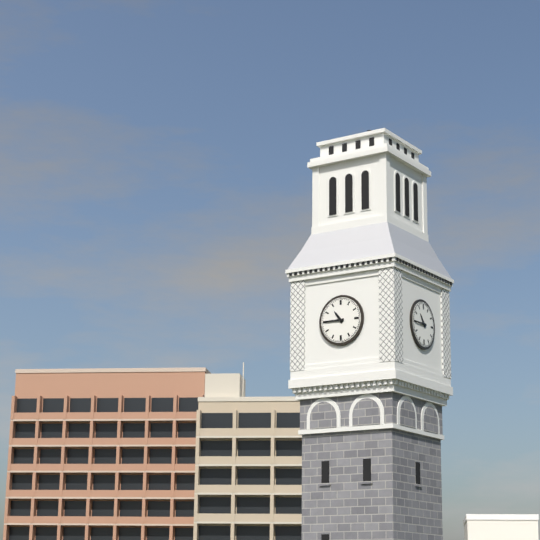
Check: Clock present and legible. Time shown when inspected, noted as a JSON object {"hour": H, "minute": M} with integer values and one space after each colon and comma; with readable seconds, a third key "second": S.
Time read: {"hour": 10, "minute": 45}
